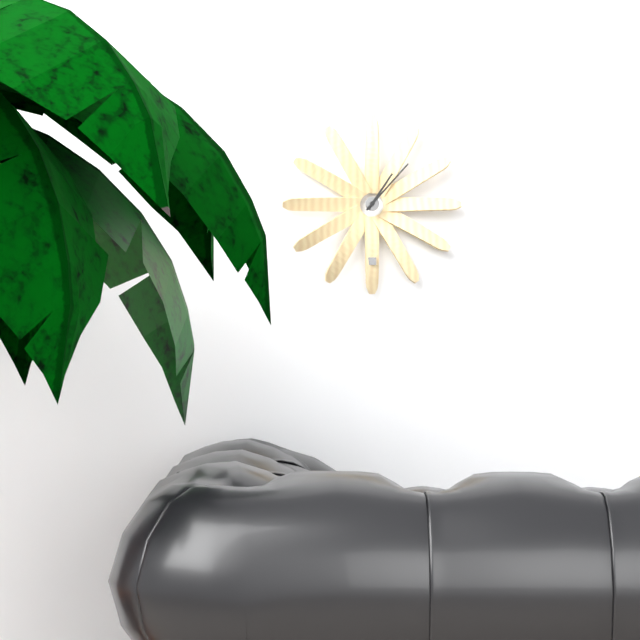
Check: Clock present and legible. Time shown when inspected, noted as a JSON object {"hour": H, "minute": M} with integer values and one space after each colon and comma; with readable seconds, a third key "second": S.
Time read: {"hour": 1, "minute": 7}
